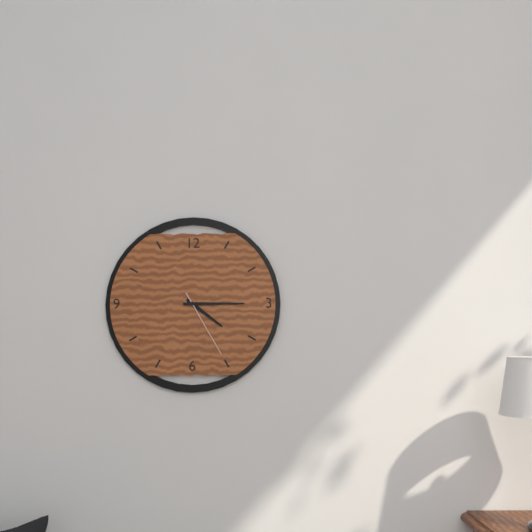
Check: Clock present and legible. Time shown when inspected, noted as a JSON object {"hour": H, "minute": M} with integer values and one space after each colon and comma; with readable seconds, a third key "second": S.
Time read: {"hour": 4, "minute": 15, "second": 25}
